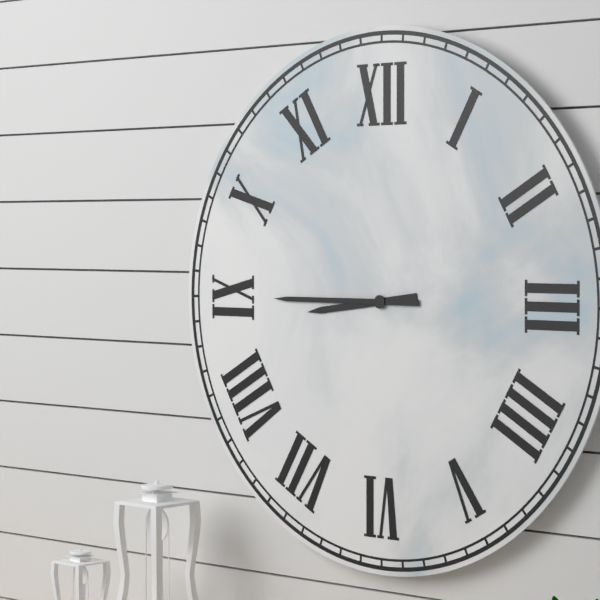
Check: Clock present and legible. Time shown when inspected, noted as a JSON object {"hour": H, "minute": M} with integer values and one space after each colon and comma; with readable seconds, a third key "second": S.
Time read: {"hour": 8, "minute": 45}
